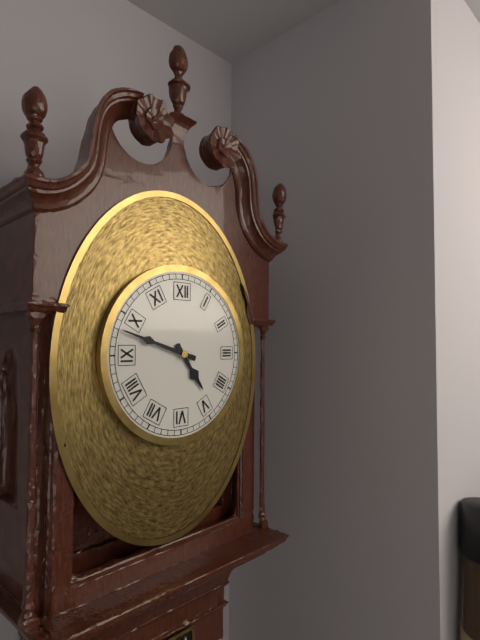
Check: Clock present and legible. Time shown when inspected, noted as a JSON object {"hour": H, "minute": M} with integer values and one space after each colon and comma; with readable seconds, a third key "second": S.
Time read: {"hour": 4, "minute": 48}
